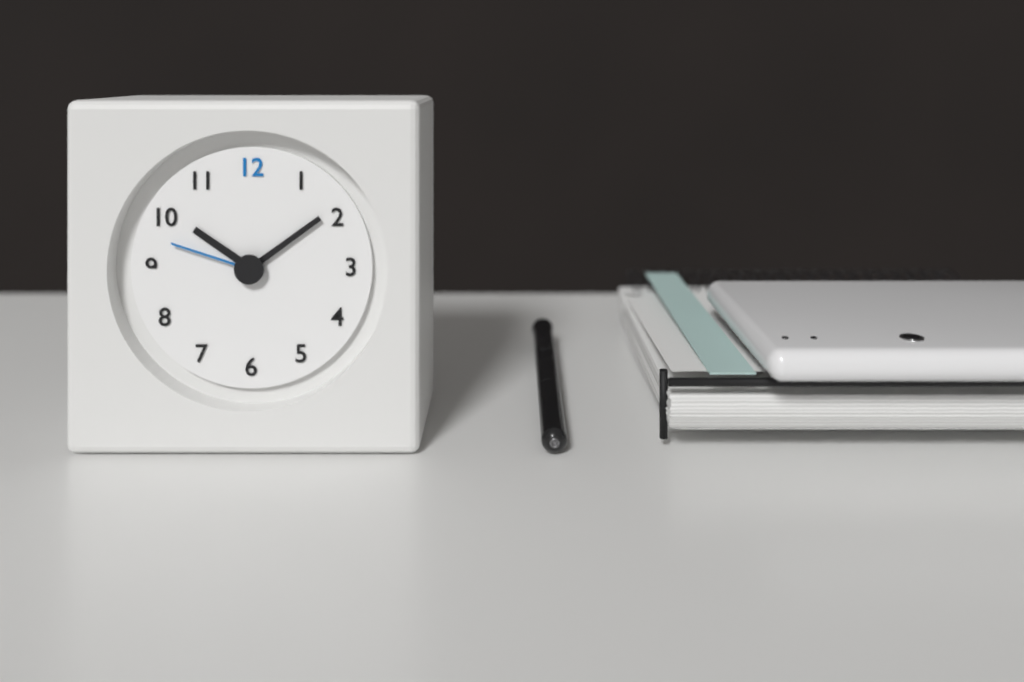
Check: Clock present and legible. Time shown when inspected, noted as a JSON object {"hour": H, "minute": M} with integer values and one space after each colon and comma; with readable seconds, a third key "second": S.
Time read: {"hour": 10, "minute": 9, "second": 48}
